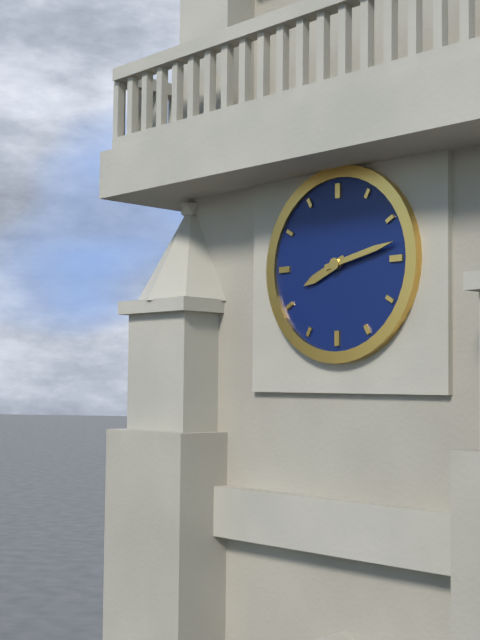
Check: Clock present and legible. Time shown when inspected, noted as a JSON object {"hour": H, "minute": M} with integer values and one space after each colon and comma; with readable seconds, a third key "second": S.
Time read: {"hour": 8, "minute": 13}
